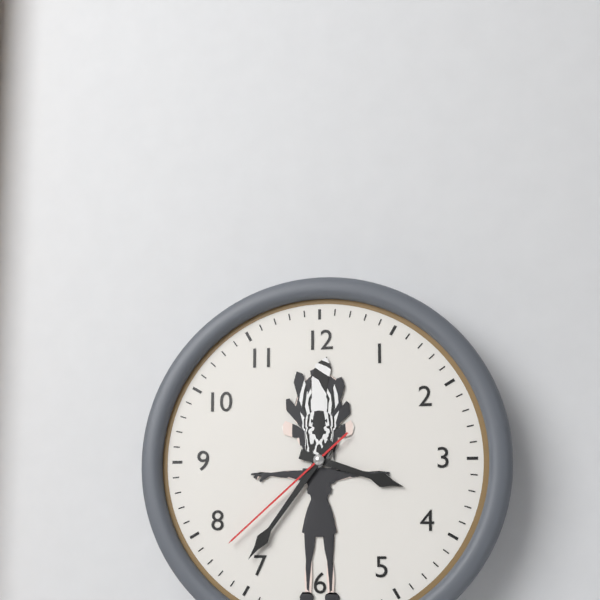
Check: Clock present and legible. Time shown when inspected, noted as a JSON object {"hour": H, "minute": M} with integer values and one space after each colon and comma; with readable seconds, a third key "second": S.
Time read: {"hour": 3, "minute": 36, "second": 38}
